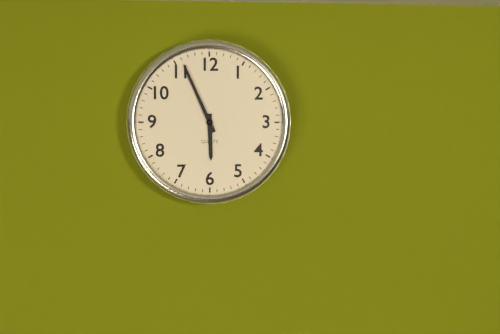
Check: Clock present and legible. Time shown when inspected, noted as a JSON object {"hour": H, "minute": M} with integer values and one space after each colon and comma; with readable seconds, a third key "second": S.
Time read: {"hour": 5, "minute": 56}
